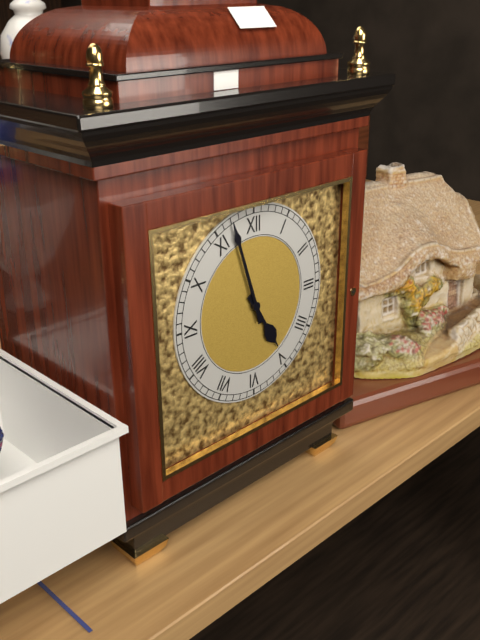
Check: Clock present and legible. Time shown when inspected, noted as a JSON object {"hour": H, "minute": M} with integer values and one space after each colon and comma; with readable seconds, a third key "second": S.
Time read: {"hour": 4, "minute": 57}
